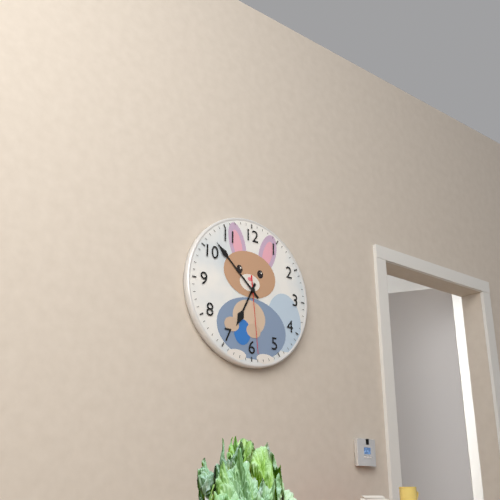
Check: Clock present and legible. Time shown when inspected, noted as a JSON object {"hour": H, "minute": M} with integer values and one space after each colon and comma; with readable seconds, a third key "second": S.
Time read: {"hour": 6, "minute": 52, "second": 29}
